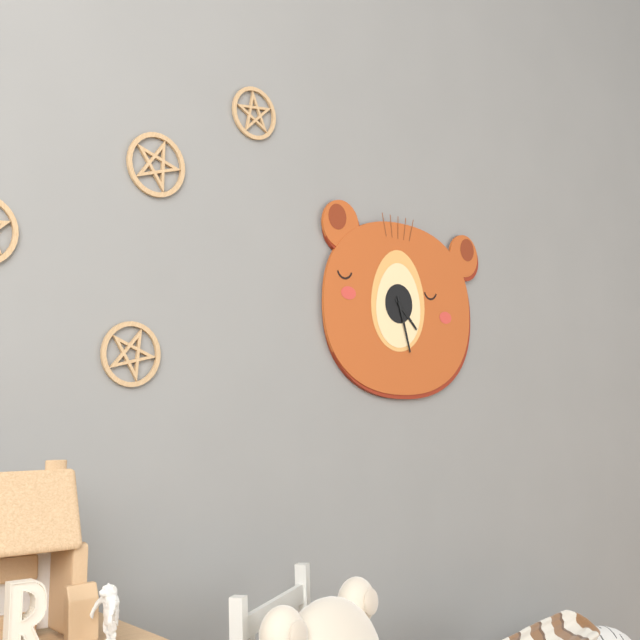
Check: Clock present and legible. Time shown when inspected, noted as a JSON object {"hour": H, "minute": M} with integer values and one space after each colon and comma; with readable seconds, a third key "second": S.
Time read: {"hour": 4, "minute": 27}
